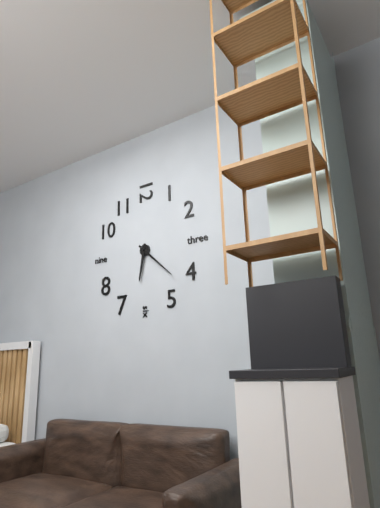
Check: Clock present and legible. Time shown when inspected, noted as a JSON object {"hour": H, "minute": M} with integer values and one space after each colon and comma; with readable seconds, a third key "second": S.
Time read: {"hour": 6, "minute": 22}
